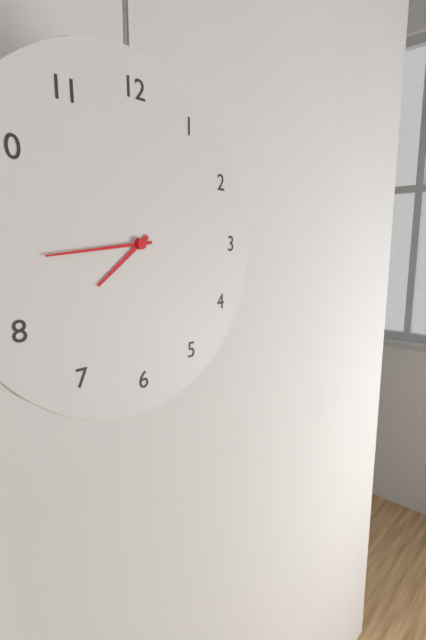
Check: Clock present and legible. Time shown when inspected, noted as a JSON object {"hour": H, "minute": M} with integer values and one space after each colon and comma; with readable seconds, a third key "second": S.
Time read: {"hour": 7, "minute": 44}
